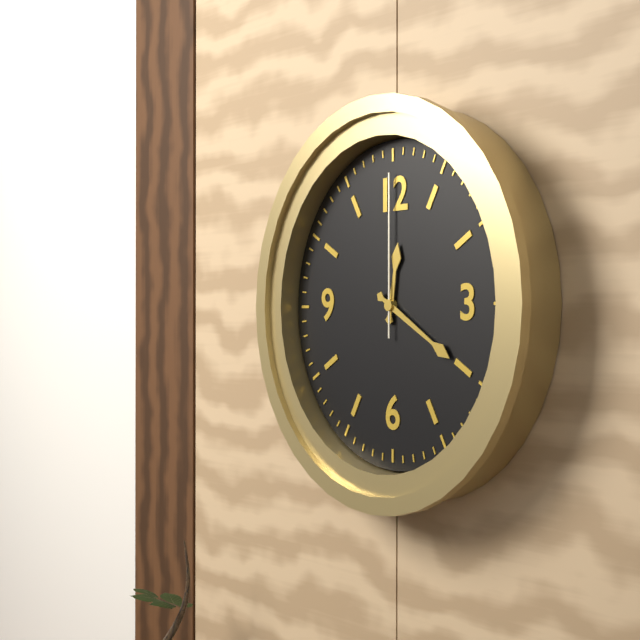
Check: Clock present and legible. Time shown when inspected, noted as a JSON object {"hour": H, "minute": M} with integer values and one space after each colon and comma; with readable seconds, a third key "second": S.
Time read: {"hour": 12, "minute": 20, "second": 0}
